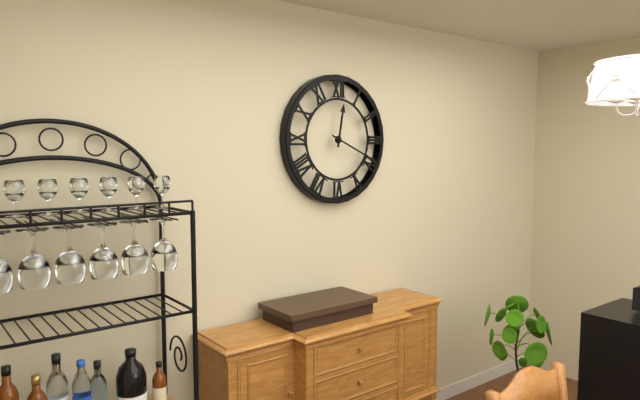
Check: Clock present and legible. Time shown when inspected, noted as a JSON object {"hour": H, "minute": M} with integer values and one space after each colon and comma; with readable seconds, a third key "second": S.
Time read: {"hour": 12, "minute": 19}
